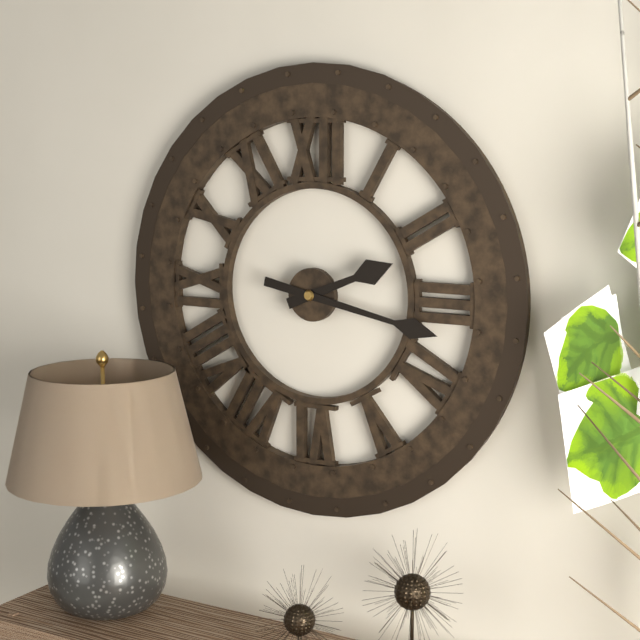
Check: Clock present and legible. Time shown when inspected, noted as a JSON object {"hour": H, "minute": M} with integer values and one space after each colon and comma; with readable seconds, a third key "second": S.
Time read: {"hour": 2, "minute": 17}
